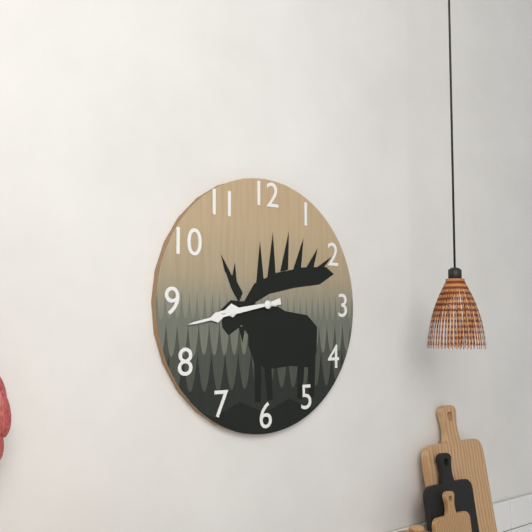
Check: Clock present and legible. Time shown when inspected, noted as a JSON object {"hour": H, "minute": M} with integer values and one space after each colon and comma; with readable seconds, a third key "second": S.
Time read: {"hour": 8, "minute": 43}
